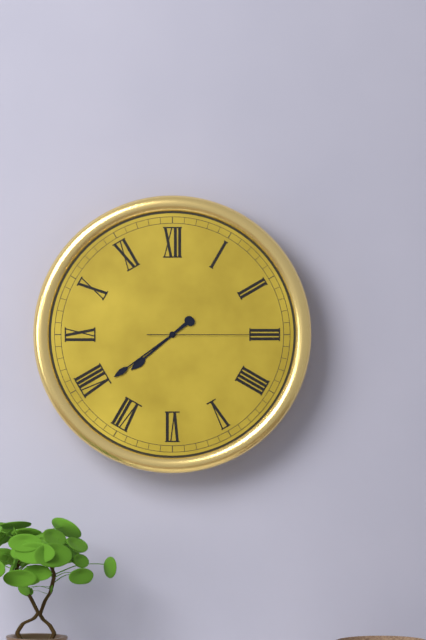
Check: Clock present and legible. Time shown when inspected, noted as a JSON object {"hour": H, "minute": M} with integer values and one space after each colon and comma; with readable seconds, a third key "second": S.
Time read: {"hour": 7, "minute": 39, "second": 15}
